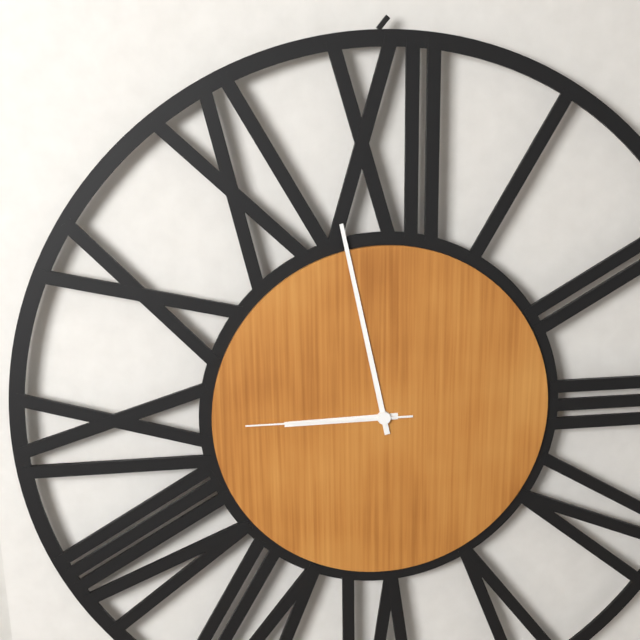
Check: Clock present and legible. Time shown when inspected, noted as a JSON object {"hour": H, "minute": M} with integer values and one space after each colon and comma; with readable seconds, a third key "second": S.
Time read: {"hour": 8, "minute": 58, "second": 45}
